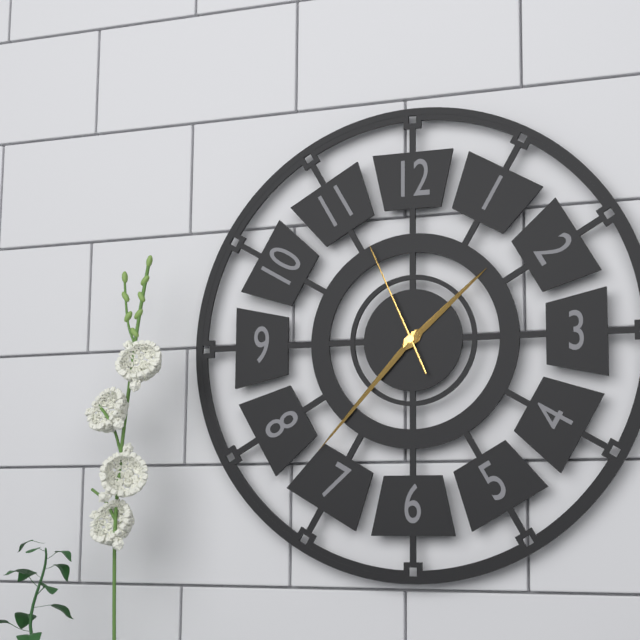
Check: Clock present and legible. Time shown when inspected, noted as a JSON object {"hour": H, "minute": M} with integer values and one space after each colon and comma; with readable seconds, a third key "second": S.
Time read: {"hour": 1, "minute": 37, "second": 56}
